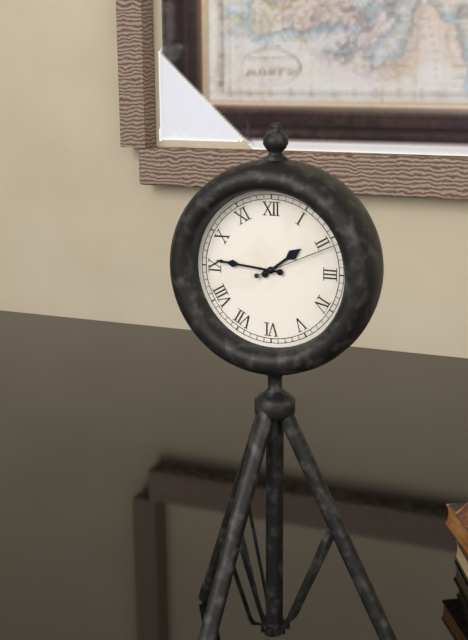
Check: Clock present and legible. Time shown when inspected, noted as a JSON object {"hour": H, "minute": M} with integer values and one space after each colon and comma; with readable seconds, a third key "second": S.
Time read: {"hour": 1, "minute": 46, "second": 11}
